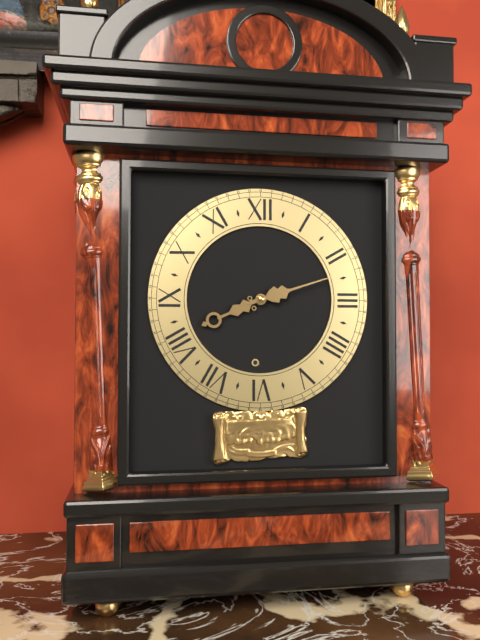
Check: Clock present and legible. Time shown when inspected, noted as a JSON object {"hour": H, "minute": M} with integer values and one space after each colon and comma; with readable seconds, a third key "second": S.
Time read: {"hour": 8, "minute": 12}
